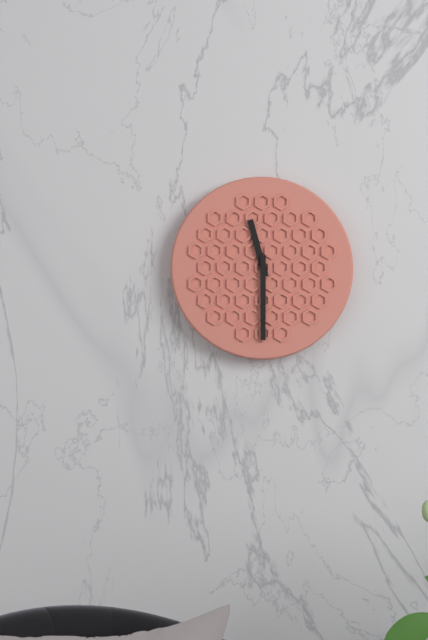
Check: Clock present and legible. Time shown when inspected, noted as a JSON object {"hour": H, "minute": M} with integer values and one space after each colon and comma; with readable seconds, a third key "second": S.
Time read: {"hour": 11, "minute": 30}
